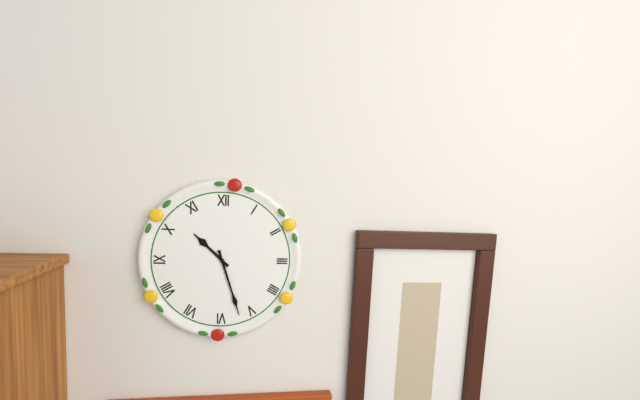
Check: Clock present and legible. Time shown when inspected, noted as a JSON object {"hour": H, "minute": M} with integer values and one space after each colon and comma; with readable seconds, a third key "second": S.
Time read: {"hour": 10, "minute": 27}
